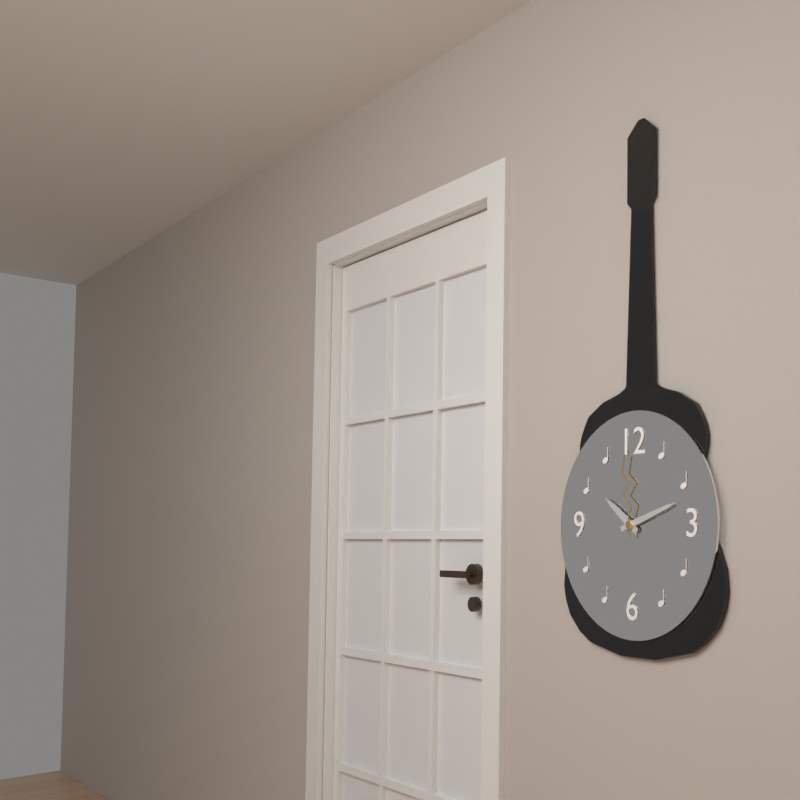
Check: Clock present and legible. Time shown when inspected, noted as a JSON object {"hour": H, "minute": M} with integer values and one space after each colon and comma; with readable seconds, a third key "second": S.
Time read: {"hour": 10, "minute": 12, "second": 59}
